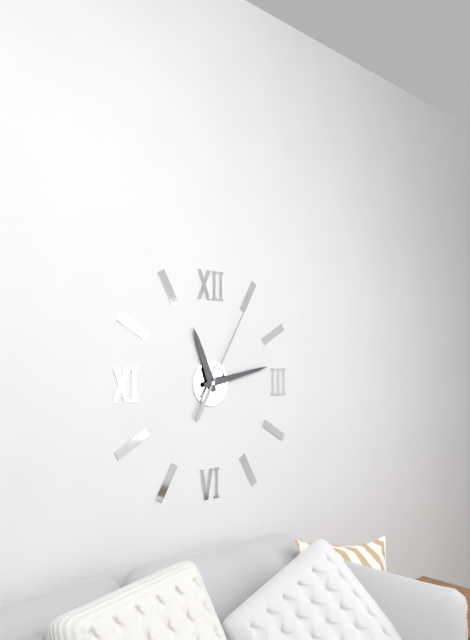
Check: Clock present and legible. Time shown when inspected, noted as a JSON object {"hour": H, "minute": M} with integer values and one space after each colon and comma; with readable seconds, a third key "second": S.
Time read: {"hour": 11, "minute": 13, "second": 5}
